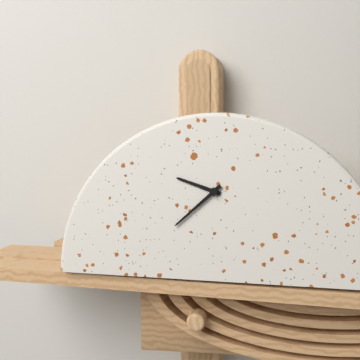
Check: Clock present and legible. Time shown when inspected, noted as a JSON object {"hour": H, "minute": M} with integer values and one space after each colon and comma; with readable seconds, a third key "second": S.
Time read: {"hour": 9, "minute": 38}
